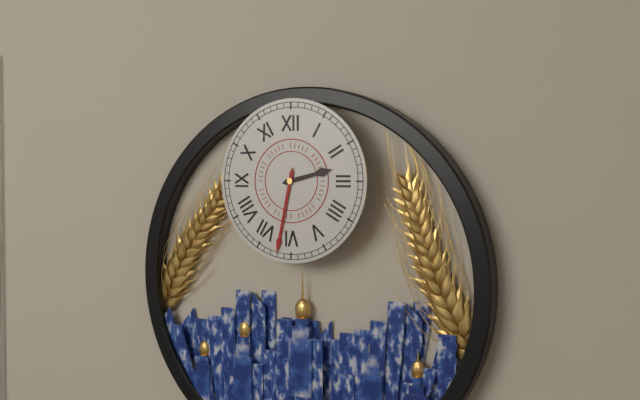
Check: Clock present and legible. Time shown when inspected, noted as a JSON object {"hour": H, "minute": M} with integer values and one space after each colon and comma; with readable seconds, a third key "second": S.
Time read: {"hour": 2, "minute": 32}
